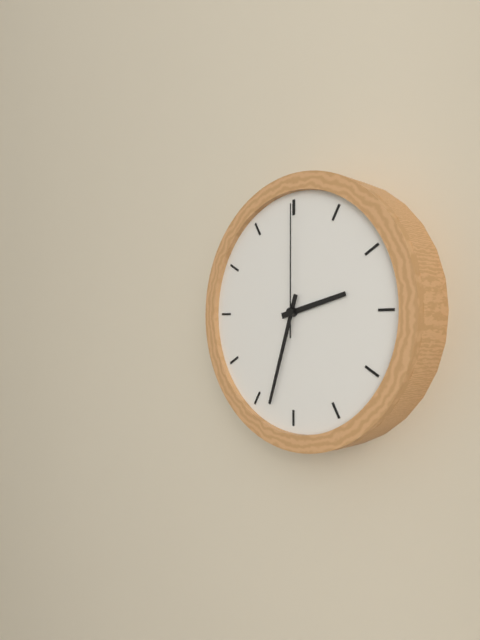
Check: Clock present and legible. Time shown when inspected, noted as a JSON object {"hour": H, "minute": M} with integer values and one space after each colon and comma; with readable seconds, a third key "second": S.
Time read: {"hour": 2, "minute": 33, "second": 0}
